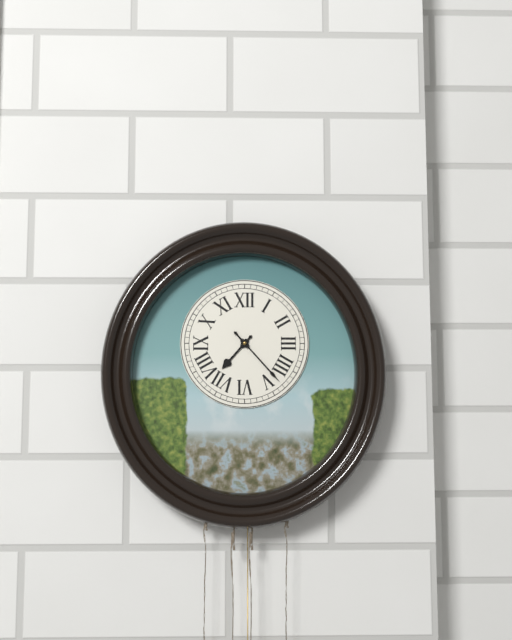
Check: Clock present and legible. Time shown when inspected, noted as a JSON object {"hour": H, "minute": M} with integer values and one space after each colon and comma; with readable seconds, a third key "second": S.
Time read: {"hour": 7, "minute": 23}
